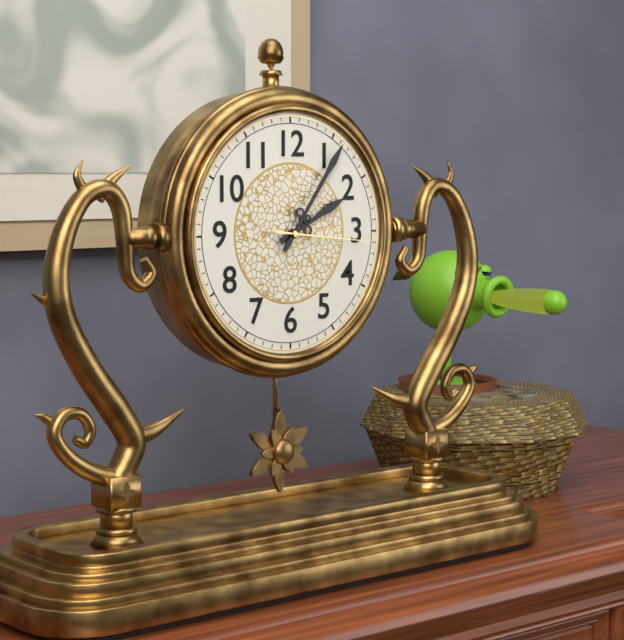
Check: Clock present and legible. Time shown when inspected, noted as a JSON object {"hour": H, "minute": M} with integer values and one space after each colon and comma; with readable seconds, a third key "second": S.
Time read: {"hour": 2, "minute": 6, "second": 16}
